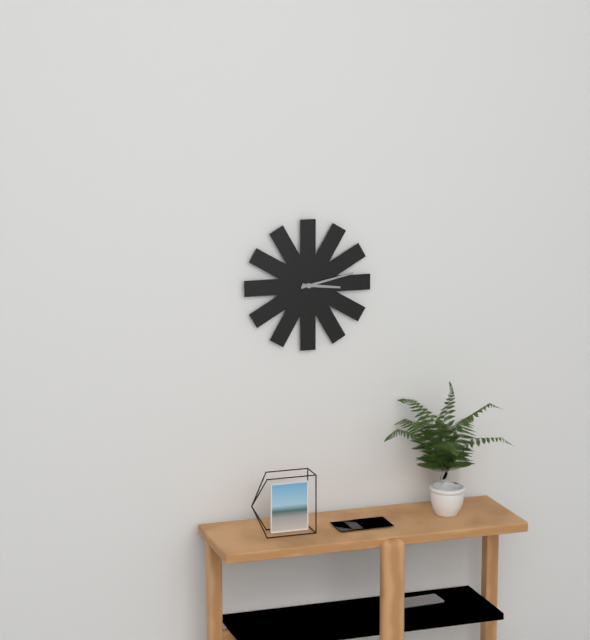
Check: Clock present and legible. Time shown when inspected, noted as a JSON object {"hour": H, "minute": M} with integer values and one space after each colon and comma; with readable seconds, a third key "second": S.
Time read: {"hour": 3, "minute": 13}
